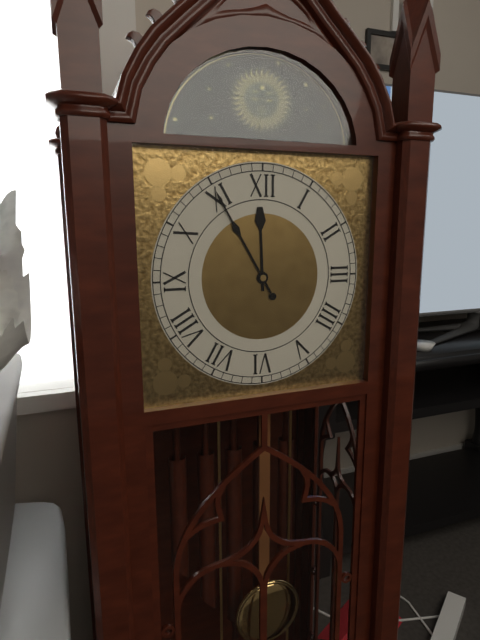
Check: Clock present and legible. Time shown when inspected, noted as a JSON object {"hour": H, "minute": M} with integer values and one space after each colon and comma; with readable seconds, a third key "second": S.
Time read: {"hour": 11, "minute": 55}
